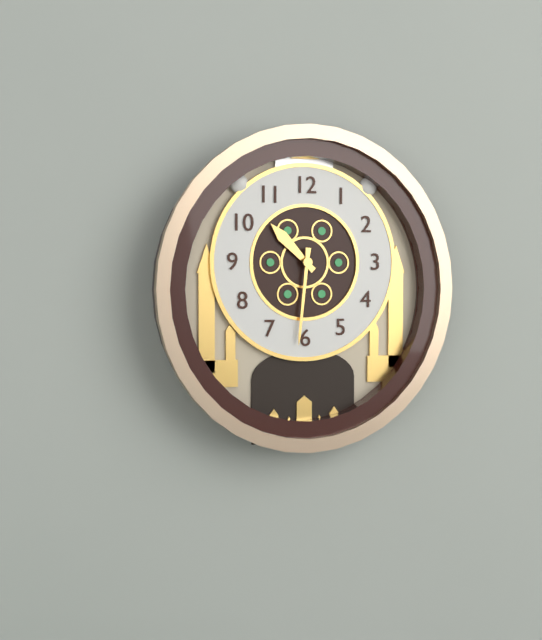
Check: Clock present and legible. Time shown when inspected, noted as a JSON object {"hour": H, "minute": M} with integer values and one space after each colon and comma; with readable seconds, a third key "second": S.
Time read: {"hour": 10, "minute": 31}
